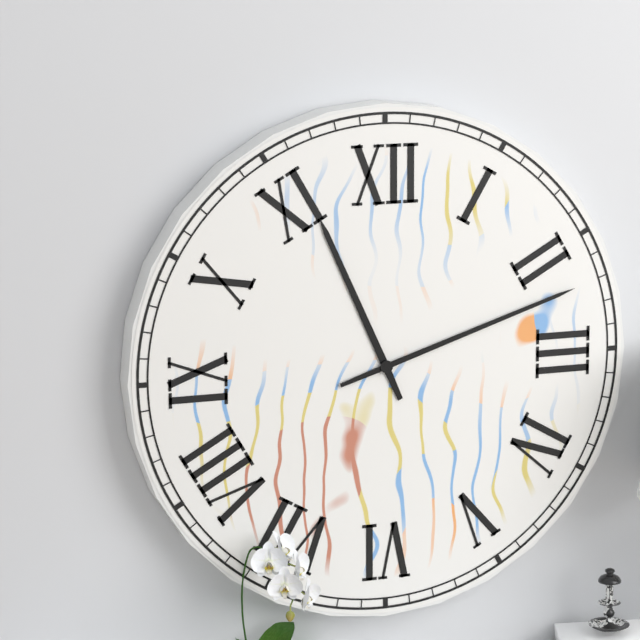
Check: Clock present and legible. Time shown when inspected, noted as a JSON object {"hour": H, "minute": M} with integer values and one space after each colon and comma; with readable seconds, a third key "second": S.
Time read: {"hour": 11, "minute": 12}
